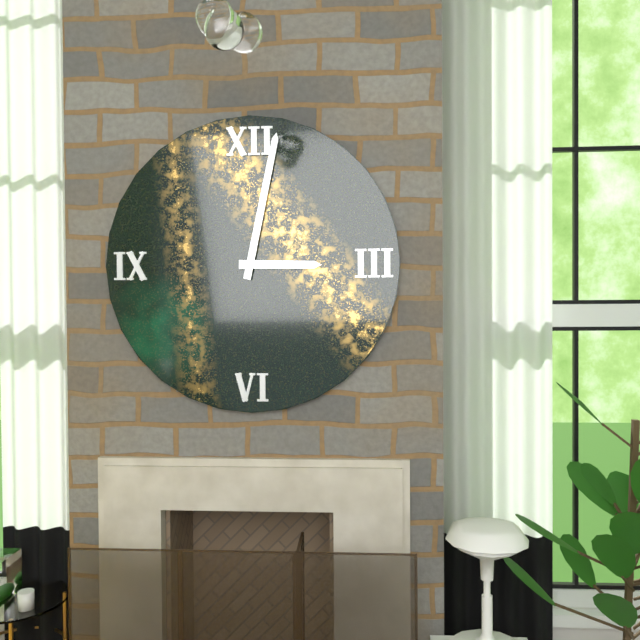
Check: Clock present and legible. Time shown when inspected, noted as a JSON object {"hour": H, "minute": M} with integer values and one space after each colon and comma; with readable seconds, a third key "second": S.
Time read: {"hour": 3, "minute": 2}
